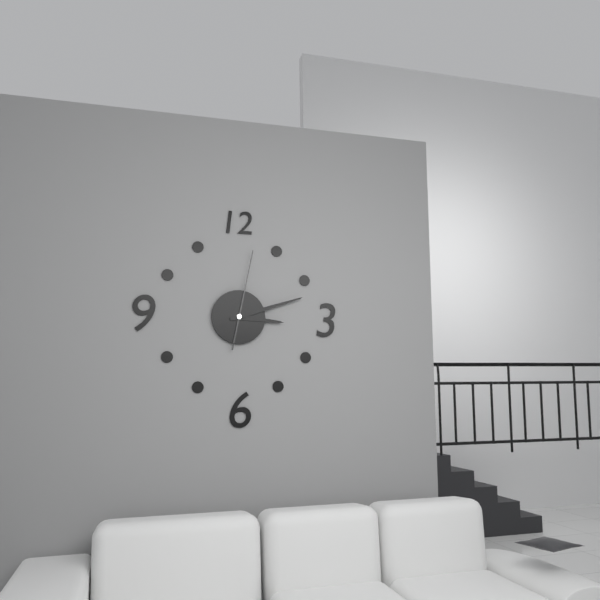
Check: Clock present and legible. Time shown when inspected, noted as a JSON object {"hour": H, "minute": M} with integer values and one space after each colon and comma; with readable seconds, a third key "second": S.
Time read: {"hour": 3, "minute": 12, "second": 2}
